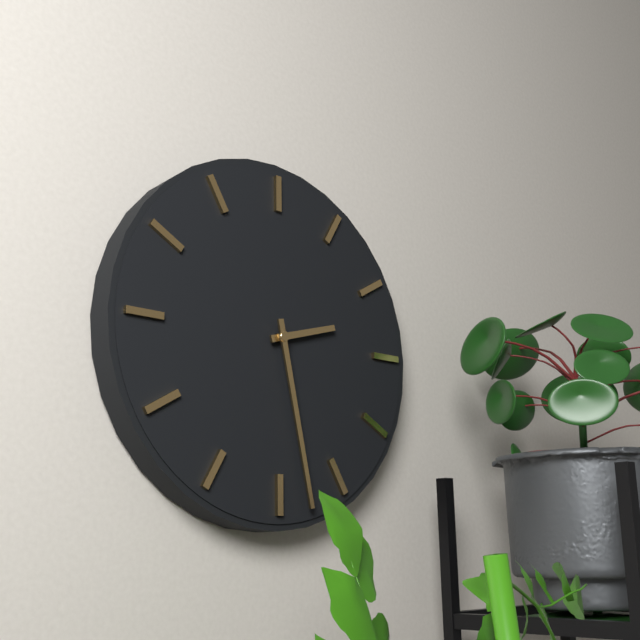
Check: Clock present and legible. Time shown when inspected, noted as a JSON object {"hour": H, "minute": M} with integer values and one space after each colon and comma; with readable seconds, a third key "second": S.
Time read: {"hour": 2, "minute": 28}
